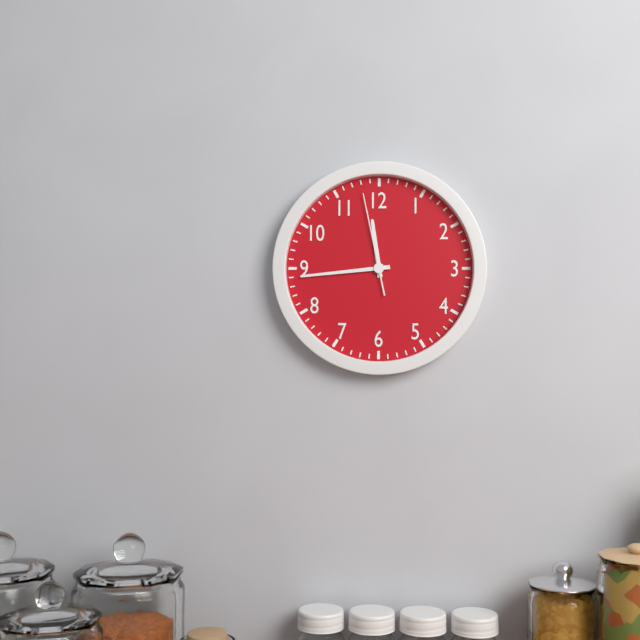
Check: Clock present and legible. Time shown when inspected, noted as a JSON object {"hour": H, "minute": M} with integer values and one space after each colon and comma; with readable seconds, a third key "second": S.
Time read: {"hour": 11, "minute": 44, "second": 58}
